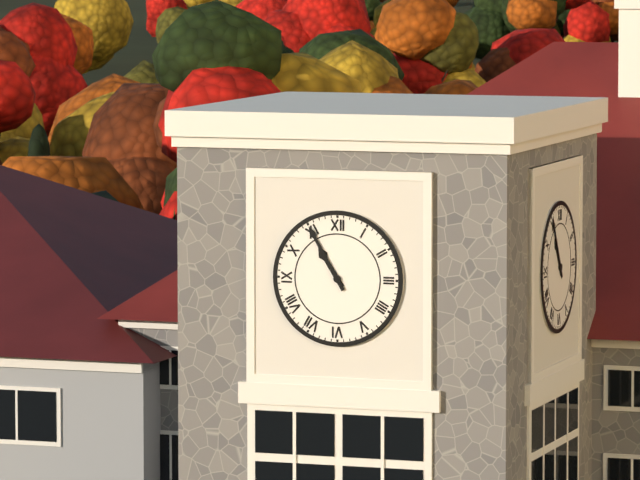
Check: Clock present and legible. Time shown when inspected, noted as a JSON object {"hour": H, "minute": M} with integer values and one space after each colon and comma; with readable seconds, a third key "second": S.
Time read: {"hour": 10, "minute": 55}
